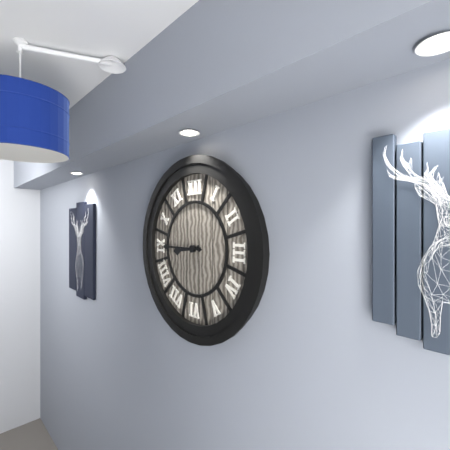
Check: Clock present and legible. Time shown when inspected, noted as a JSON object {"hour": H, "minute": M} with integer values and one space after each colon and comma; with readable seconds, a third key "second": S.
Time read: {"hour": 8, "minute": 45}
